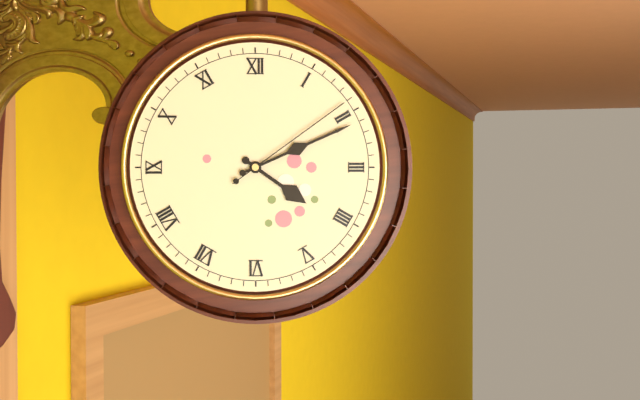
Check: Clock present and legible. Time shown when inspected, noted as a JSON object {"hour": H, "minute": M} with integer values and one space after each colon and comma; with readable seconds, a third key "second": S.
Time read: {"hour": 4, "minute": 11, "second": 9}
